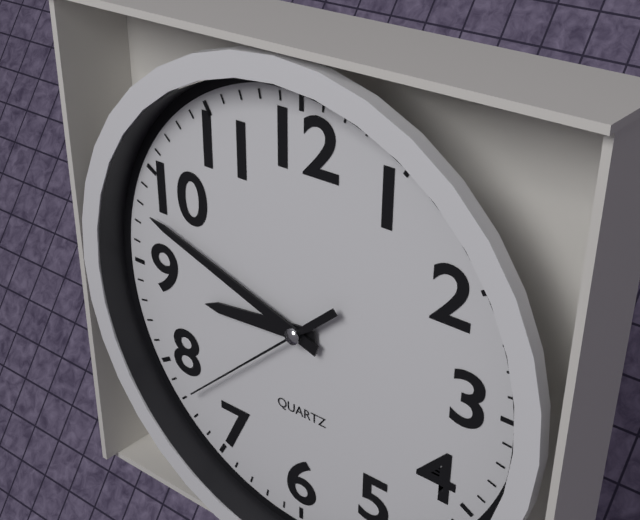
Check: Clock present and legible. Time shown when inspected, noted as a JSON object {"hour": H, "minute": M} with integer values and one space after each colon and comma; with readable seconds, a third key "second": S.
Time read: {"hour": 8, "minute": 48, "second": 38}
